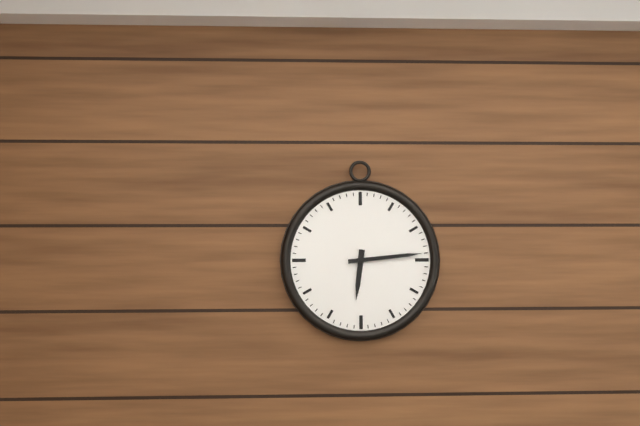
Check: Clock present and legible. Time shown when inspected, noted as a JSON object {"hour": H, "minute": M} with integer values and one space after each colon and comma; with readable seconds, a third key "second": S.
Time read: {"hour": 6, "minute": 14}
